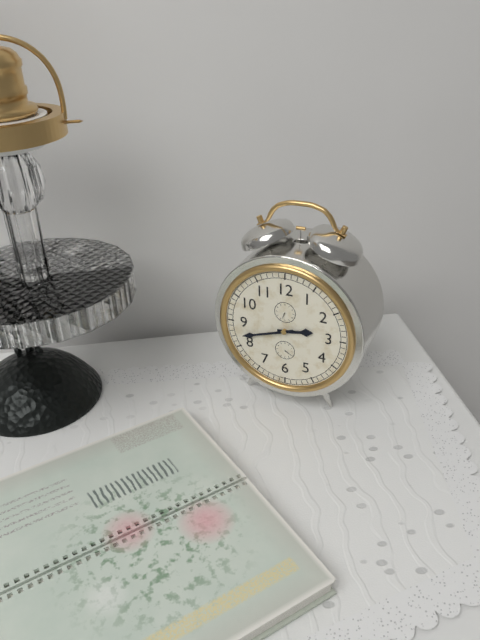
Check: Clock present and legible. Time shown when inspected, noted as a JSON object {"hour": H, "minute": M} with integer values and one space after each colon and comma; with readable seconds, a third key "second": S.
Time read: {"hour": 2, "minute": 42}
